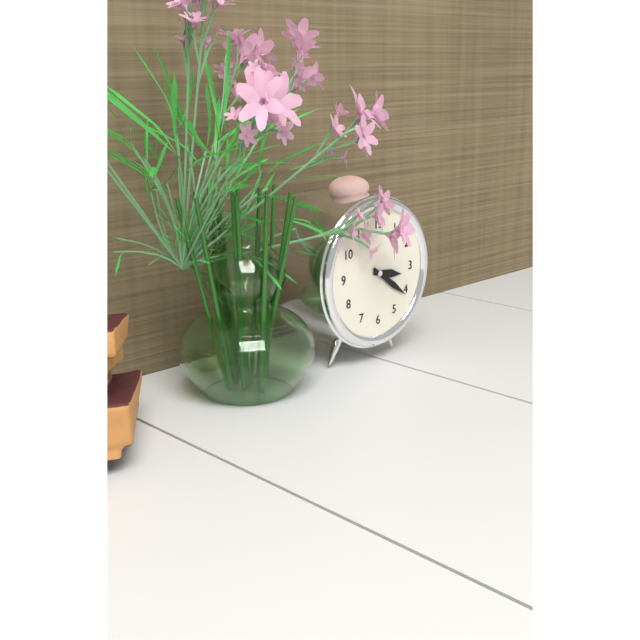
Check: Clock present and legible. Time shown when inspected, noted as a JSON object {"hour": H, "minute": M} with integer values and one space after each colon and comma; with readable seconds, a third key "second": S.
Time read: {"hour": 3, "minute": 21}
